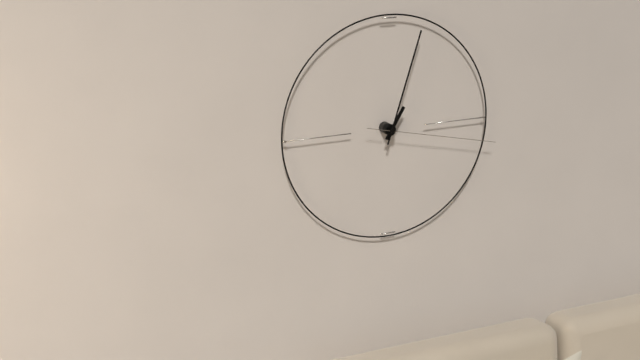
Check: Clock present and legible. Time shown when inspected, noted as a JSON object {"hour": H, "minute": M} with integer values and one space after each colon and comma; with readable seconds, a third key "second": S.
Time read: {"hour": 1, "minute": 3, "second": 17}
